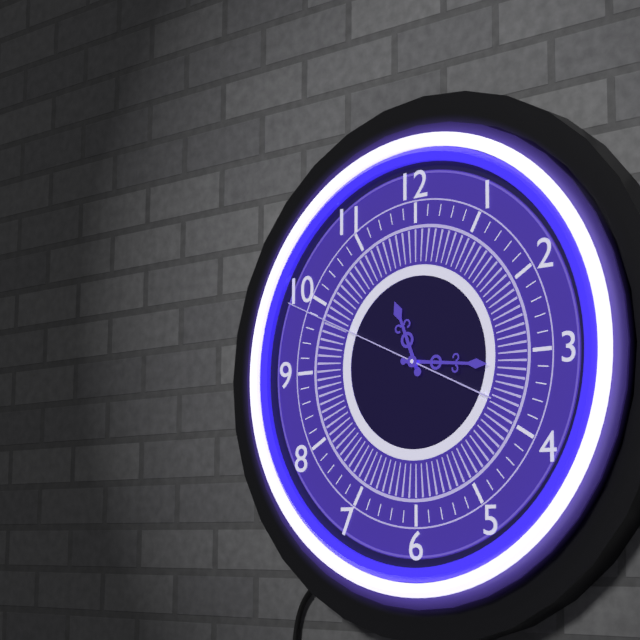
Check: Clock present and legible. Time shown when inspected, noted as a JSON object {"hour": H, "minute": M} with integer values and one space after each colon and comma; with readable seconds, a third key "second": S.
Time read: {"hour": 11, "minute": 16, "second": 49}
